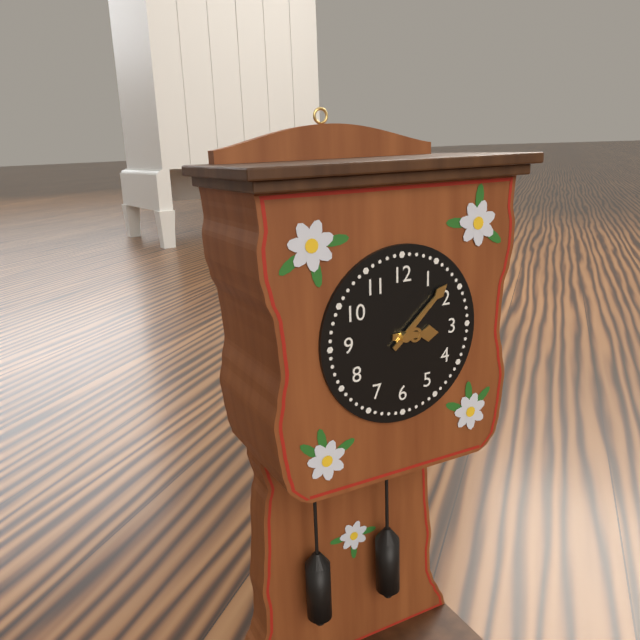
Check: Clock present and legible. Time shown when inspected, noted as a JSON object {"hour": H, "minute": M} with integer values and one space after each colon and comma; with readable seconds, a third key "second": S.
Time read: {"hour": 3, "minute": 8}
